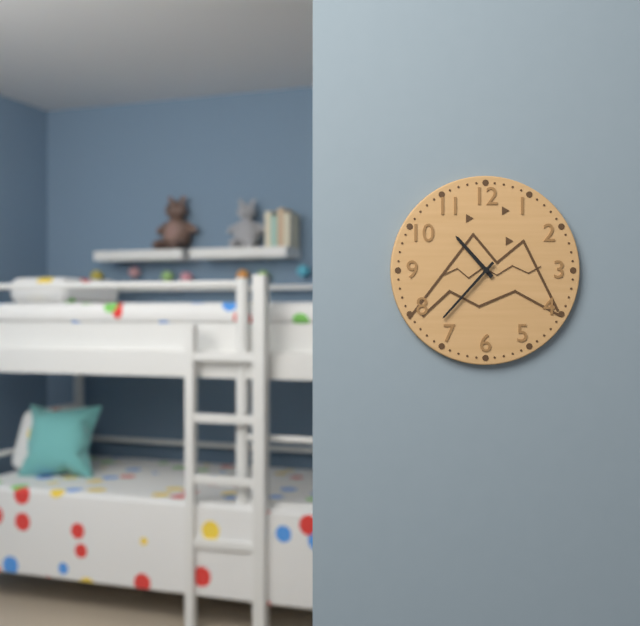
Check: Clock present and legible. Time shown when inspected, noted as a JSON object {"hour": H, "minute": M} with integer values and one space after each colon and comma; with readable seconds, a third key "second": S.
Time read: {"hour": 10, "minute": 37}
